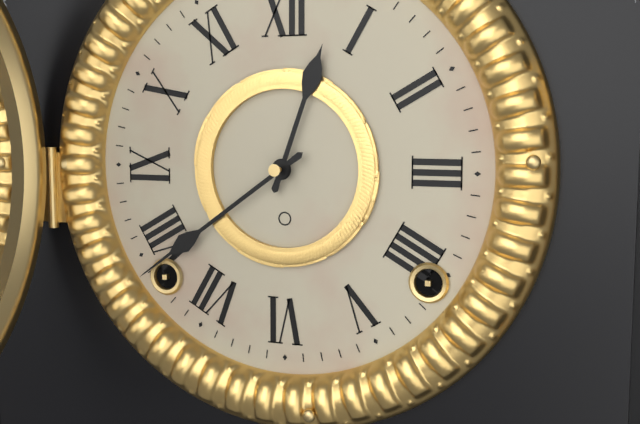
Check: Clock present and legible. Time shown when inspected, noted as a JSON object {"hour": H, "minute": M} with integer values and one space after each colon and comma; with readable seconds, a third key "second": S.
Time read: {"hour": 12, "minute": 39}
